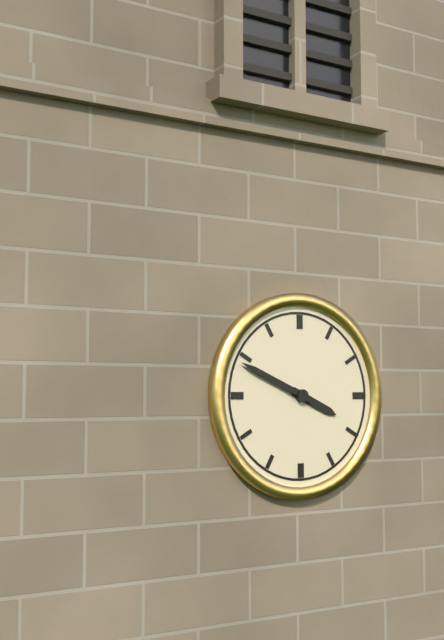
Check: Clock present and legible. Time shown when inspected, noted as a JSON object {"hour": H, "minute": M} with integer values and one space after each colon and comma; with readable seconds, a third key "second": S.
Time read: {"hour": 3, "minute": 49}
